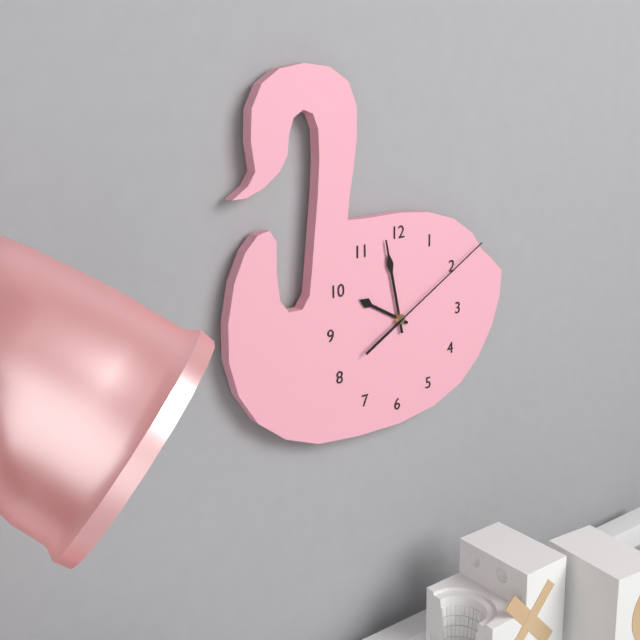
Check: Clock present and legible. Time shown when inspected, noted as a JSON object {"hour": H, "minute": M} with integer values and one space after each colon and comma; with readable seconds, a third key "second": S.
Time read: {"hour": 9, "minute": 58, "second": 10}
